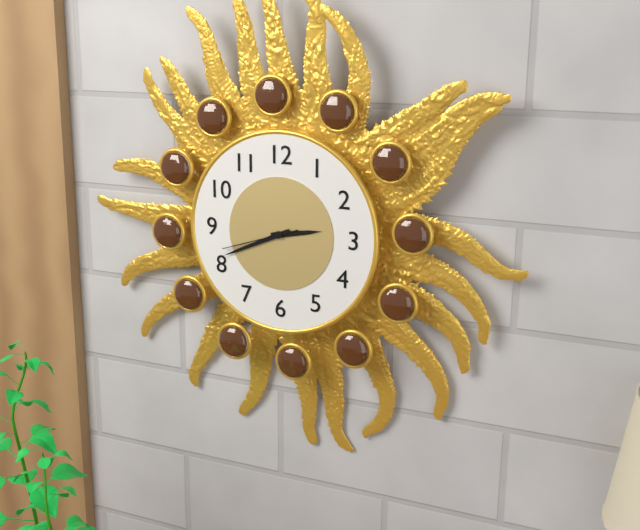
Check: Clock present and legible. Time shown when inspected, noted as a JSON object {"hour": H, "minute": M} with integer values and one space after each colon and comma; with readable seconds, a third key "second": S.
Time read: {"hour": 2, "minute": 41, "second": 42}
